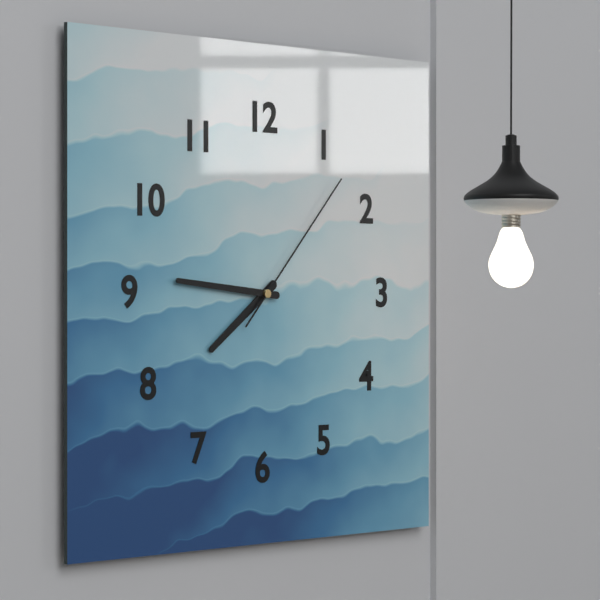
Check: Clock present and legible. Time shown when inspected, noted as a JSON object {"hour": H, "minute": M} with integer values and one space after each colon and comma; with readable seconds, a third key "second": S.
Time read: {"hour": 7, "minute": 46, "second": 7}
